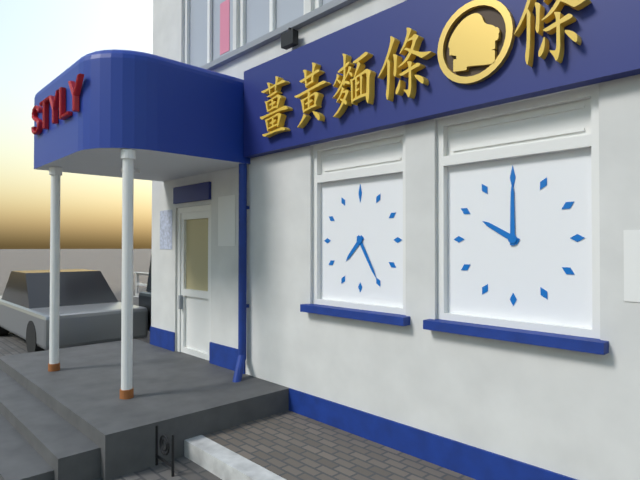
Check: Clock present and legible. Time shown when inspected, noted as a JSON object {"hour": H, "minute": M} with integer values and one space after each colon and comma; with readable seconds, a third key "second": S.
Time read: {"hour": 7, "minute": 25}
